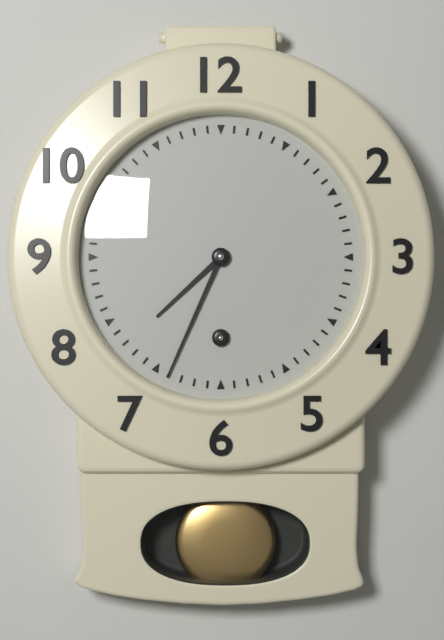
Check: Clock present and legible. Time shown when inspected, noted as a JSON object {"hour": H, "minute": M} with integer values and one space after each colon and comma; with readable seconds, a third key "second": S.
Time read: {"hour": 7, "minute": 34}
